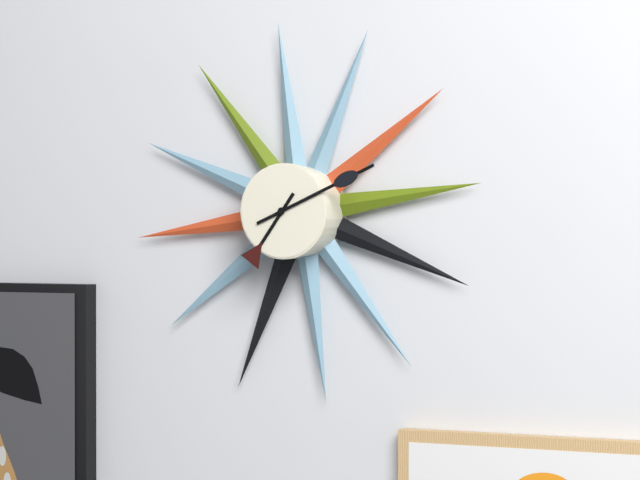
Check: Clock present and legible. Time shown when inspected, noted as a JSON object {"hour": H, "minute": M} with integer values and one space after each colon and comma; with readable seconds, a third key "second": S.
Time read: {"hour": 7, "minute": 11}
